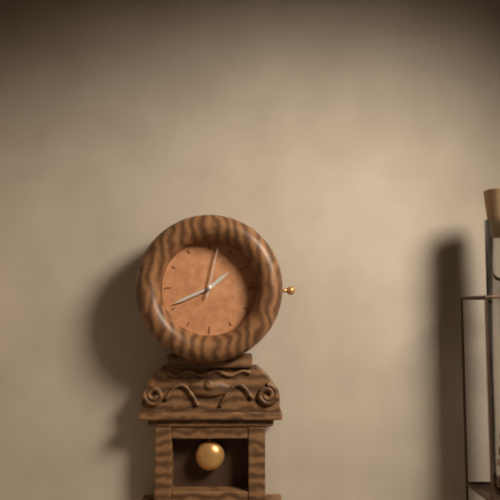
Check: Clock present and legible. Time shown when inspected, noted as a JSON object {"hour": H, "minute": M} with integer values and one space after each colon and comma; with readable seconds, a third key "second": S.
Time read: {"hour": 1, "minute": 41, "second": 2}
